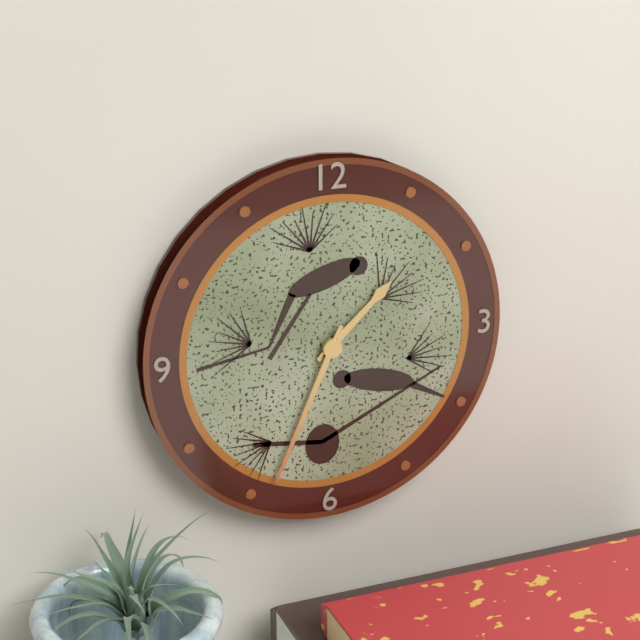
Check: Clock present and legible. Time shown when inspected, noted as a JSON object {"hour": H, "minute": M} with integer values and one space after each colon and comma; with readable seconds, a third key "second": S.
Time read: {"hour": 1, "minute": 34}
